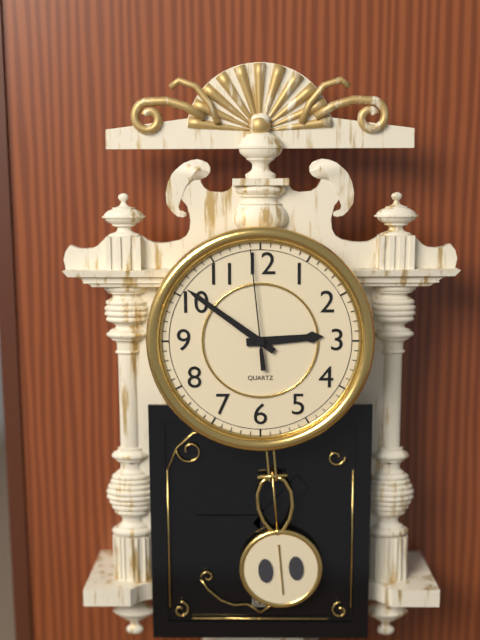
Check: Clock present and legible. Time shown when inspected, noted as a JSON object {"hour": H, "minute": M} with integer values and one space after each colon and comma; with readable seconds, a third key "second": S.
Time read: {"hour": 2, "minute": 51, "second": 59}
